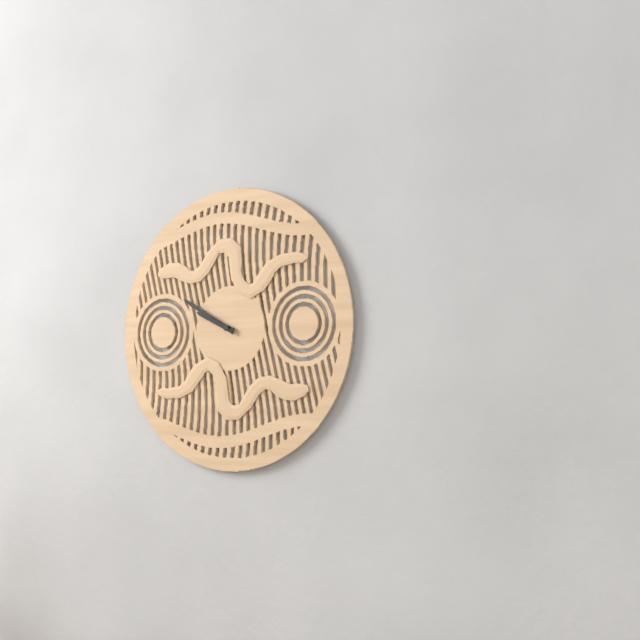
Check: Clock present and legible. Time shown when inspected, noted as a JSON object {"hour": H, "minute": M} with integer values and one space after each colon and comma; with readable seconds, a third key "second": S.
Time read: {"hour": 9, "minute": 50}
